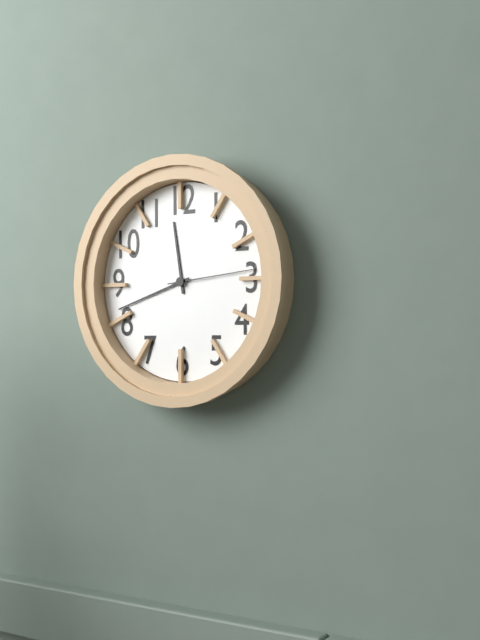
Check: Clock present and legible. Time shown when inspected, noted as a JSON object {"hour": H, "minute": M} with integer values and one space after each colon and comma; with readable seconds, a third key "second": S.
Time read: {"hour": 11, "minute": 42, "second": 14}
